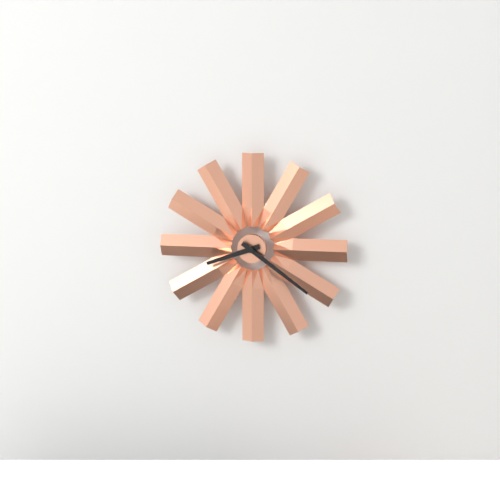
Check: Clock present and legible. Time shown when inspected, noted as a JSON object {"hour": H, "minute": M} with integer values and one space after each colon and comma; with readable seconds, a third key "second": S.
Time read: {"hour": 8, "minute": 21}
